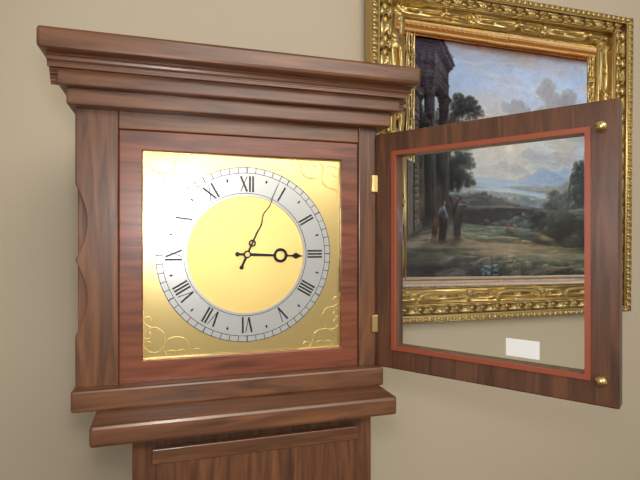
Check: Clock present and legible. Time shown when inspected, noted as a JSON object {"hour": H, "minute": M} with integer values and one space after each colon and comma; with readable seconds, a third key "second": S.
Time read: {"hour": 3, "minute": 4}
